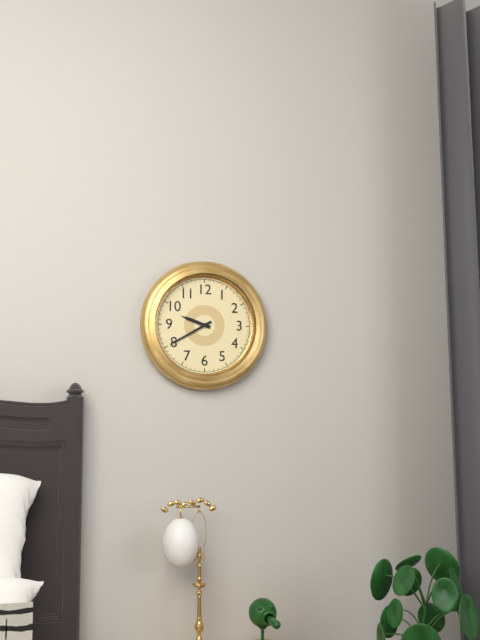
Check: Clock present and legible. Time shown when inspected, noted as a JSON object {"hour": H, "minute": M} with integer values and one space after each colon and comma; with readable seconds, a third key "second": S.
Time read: {"hour": 9, "minute": 40}
